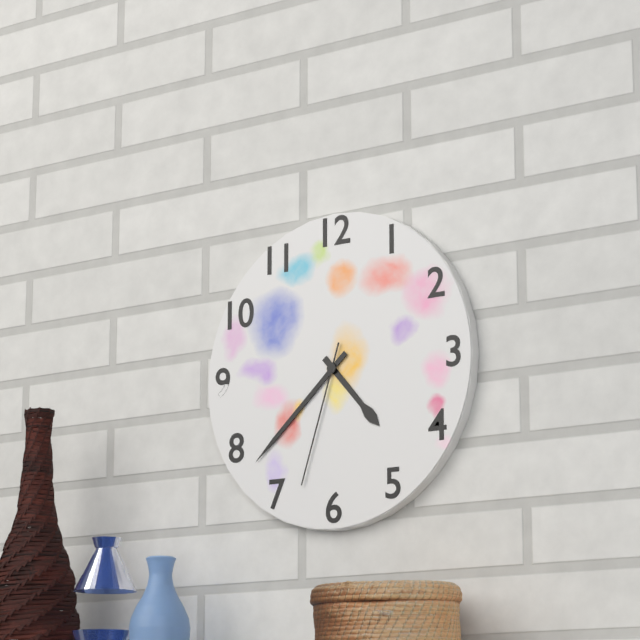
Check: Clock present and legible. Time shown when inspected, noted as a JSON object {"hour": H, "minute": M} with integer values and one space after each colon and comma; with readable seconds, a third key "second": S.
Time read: {"hour": 4, "minute": 38, "second": 33}
